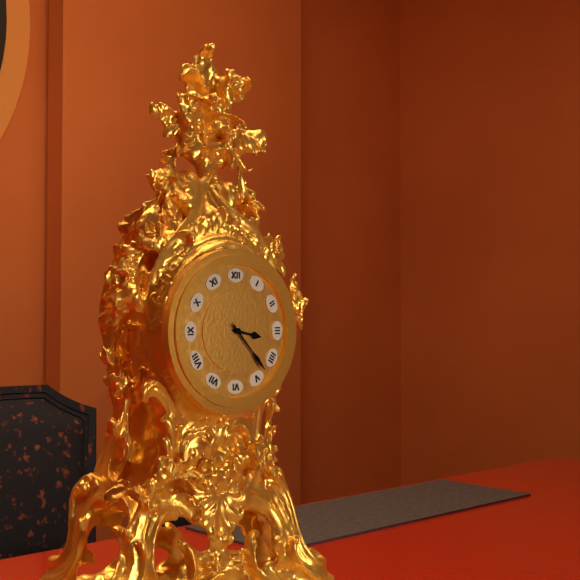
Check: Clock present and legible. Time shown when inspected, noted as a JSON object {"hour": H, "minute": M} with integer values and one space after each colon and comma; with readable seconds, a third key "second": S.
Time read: {"hour": 3, "minute": 23}
